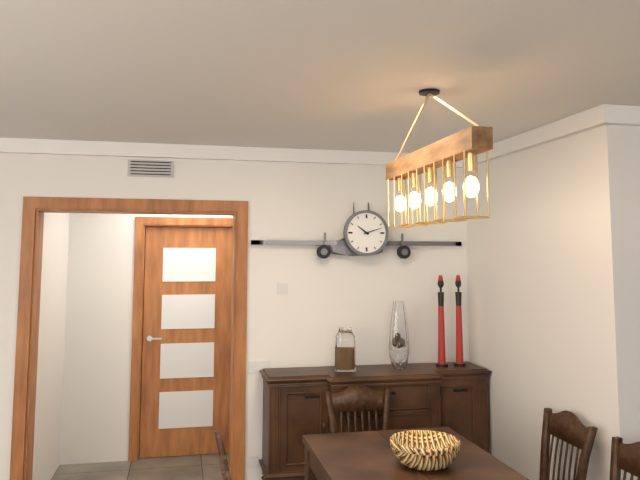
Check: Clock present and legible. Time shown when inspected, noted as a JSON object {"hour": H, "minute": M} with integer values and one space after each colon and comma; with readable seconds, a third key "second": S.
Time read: {"hour": 10, "minute": 12}
